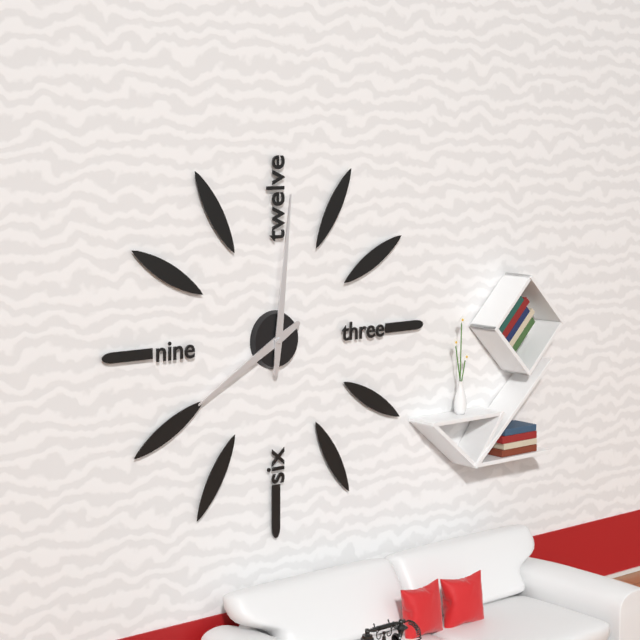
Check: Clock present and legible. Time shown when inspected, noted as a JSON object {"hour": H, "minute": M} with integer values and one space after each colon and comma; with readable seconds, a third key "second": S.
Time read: {"hour": 8, "minute": 1}
